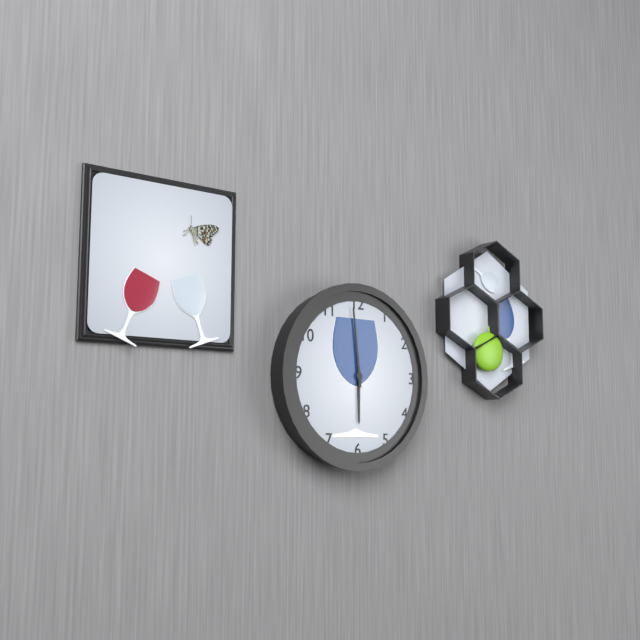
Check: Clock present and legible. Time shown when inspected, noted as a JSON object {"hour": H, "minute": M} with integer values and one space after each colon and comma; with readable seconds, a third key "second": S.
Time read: {"hour": 5, "minute": 59}
